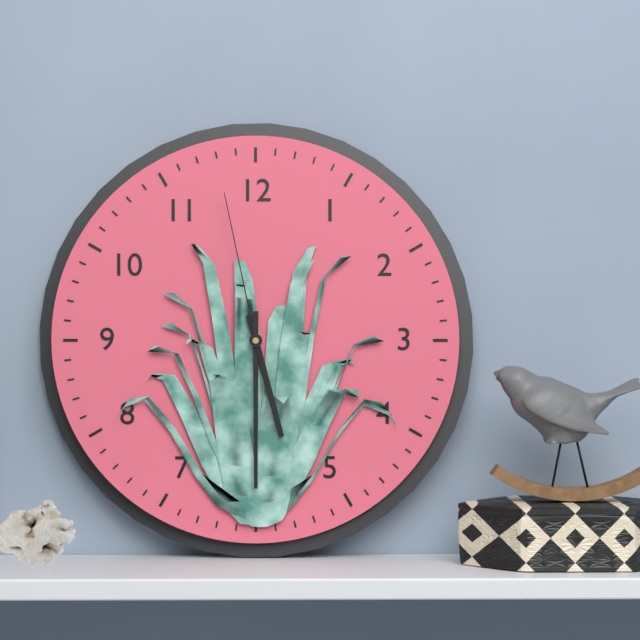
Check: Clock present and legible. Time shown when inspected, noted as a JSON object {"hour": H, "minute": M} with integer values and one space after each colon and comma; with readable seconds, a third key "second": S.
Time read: {"hour": 5, "minute": 30, "second": 58}
